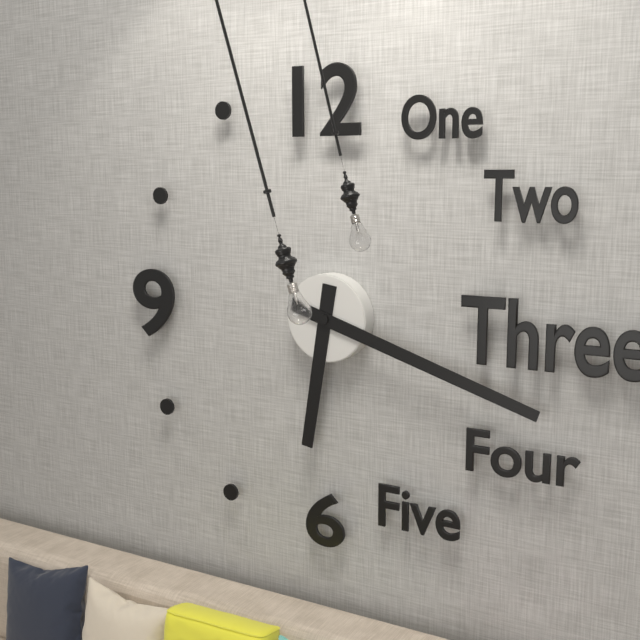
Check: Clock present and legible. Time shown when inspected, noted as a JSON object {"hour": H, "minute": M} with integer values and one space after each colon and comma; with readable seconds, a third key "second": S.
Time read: {"hour": 6, "minute": 18}
